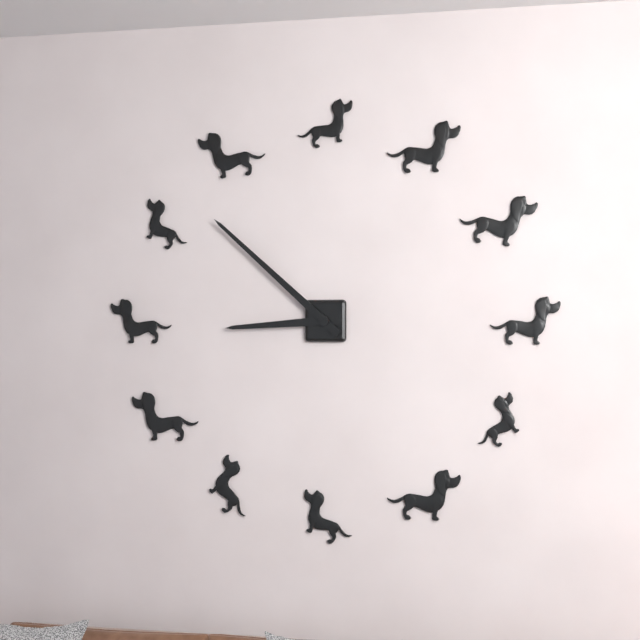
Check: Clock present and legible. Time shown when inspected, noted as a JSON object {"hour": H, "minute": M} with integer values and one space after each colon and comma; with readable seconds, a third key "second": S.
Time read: {"hour": 8, "minute": 52}
